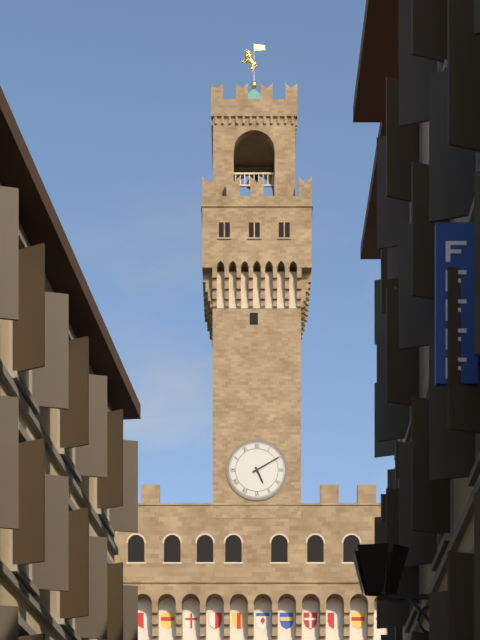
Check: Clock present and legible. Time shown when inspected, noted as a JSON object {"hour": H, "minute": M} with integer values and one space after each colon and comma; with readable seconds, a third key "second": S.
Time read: {"hour": 5, "minute": 10}
